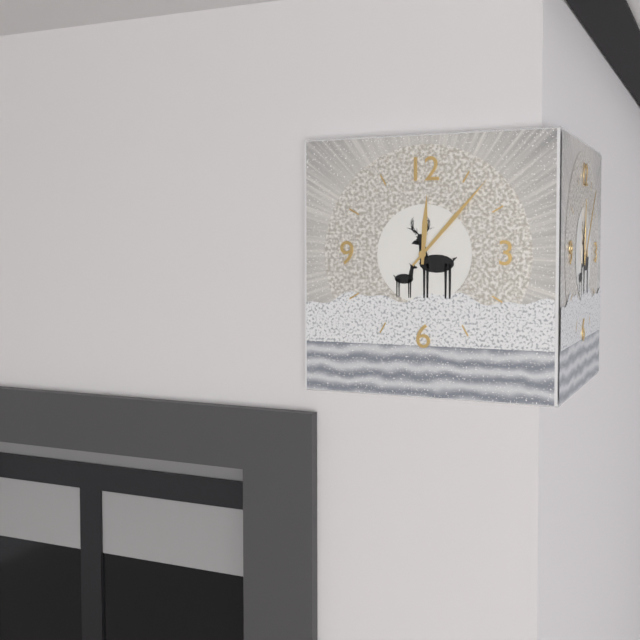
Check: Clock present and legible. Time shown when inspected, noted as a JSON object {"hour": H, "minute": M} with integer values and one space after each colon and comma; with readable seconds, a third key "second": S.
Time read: {"hour": 12, "minute": 7}
